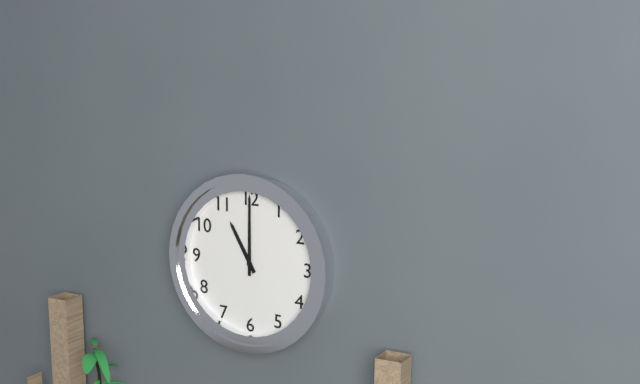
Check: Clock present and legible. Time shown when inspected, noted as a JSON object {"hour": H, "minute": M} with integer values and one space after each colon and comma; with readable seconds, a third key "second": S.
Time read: {"hour": 11, "minute": 0}
